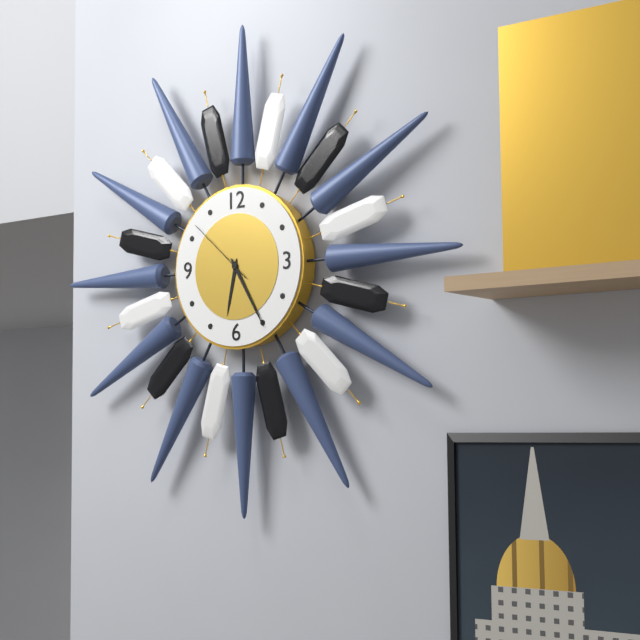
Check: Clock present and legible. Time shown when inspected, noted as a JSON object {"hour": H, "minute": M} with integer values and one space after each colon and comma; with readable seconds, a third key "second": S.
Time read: {"hour": 6, "minute": 25, "second": 52}
